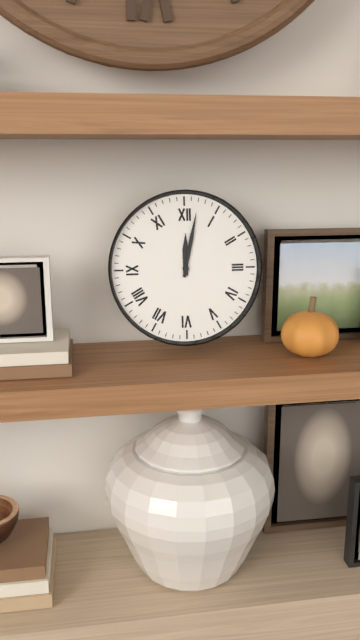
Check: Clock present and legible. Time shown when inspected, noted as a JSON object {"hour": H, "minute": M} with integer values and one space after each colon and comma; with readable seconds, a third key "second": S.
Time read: {"hour": 12, "minute": 2}
